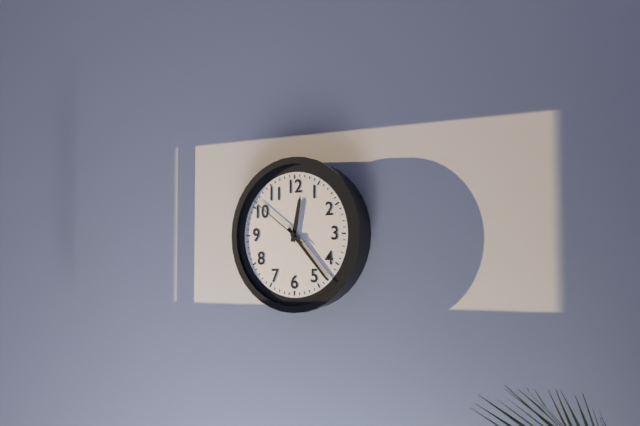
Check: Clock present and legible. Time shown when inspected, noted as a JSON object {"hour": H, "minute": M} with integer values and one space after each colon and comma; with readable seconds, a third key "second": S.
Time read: {"hour": 12, "minute": 23, "second": 51}
